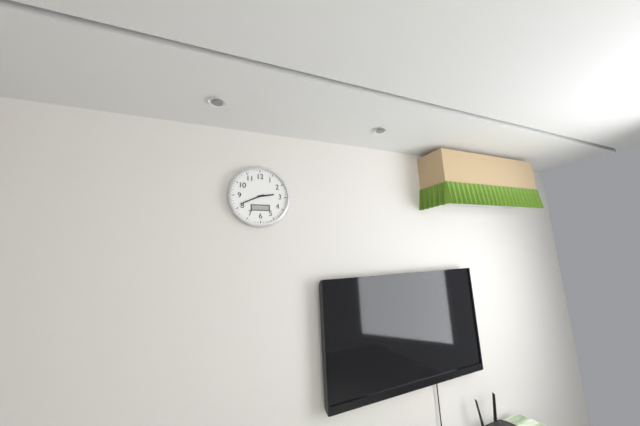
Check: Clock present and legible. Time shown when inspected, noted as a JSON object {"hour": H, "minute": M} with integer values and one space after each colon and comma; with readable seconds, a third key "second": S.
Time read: {"hour": 2, "minute": 41}
